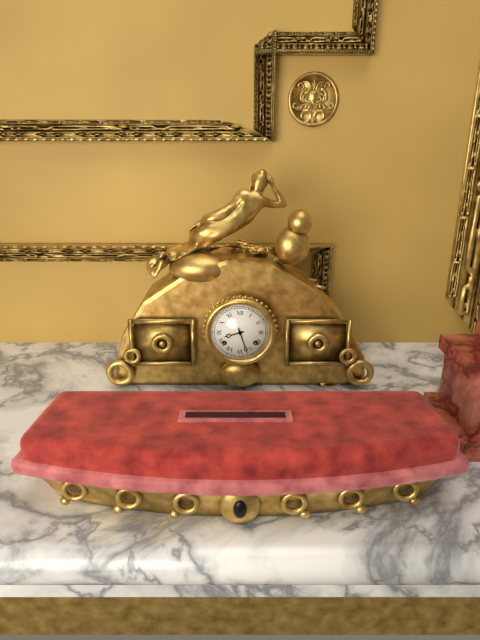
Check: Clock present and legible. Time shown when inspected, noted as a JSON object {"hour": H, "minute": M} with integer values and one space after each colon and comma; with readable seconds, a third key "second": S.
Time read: {"hour": 8, "minute": 27}
